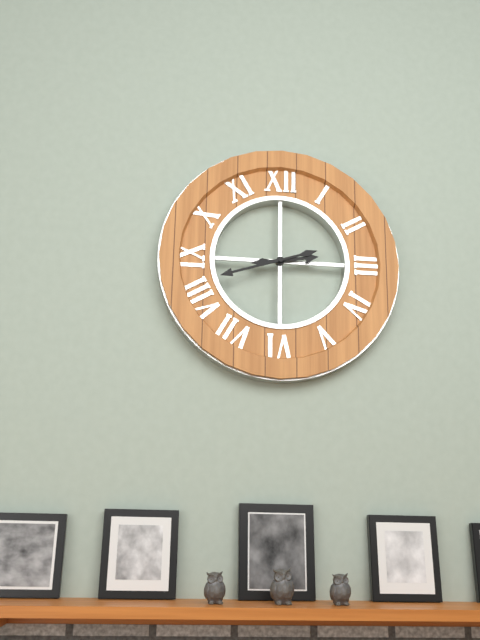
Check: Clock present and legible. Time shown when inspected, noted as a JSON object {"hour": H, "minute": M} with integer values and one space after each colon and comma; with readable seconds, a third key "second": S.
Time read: {"hour": 2, "minute": 42}
